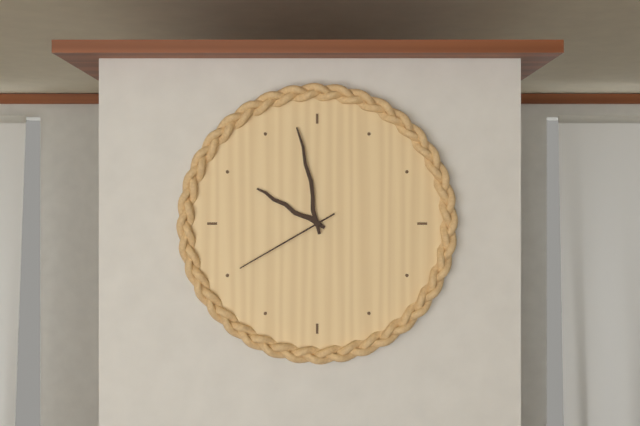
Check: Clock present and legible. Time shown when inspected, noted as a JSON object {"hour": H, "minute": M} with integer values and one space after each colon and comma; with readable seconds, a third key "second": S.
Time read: {"hour": 9, "minute": 58, "second": 40}
